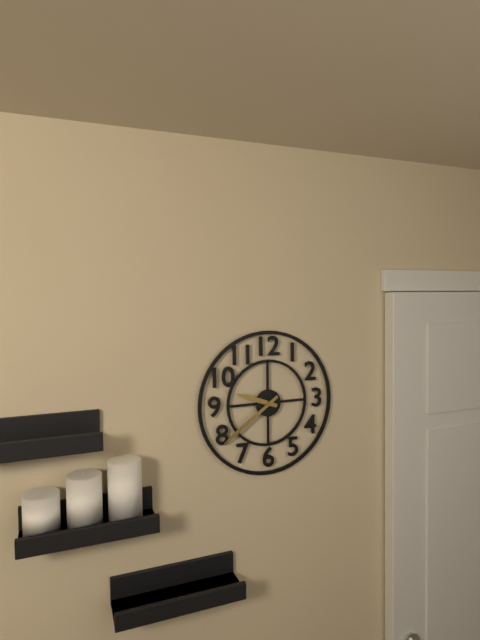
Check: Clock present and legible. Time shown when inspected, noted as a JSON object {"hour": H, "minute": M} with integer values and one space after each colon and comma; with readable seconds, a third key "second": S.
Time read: {"hour": 9, "minute": 39}
